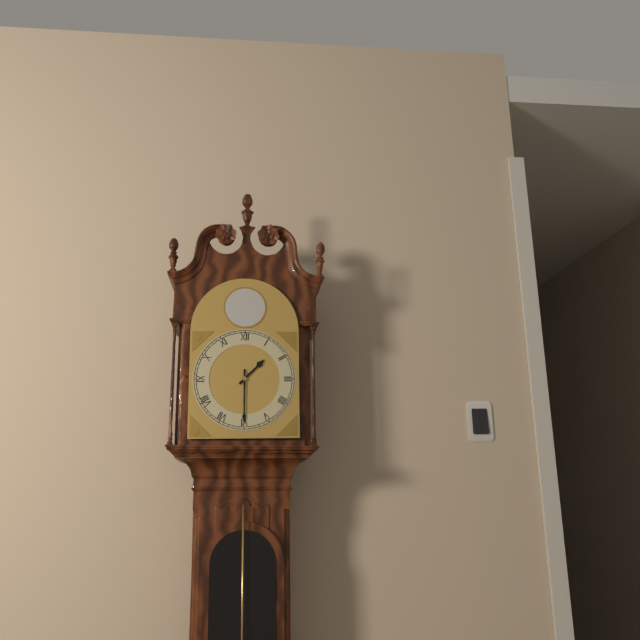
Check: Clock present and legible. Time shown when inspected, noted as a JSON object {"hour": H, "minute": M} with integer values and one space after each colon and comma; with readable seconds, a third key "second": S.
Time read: {"hour": 1, "minute": 30}
